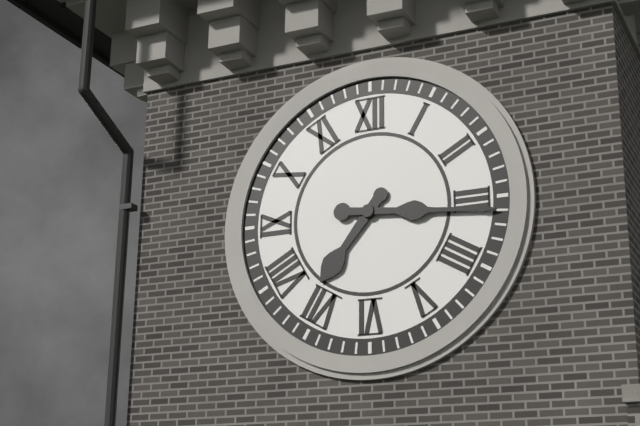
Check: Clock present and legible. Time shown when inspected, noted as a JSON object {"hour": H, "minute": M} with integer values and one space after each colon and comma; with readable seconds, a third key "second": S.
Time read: {"hour": 7, "minute": 16}
